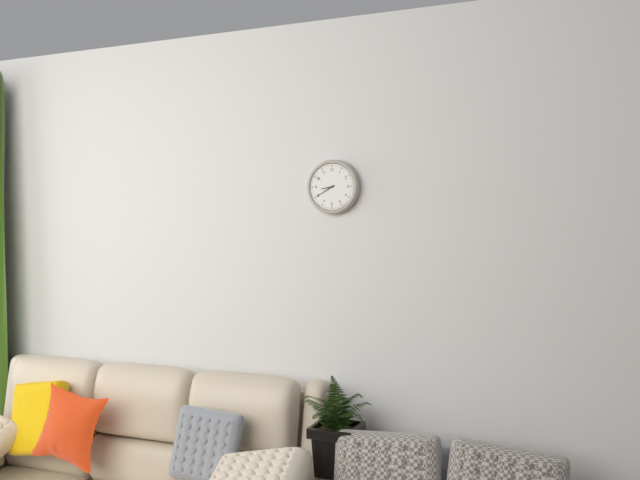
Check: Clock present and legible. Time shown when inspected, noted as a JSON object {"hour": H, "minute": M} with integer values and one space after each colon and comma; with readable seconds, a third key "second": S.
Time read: {"hour": 8, "minute": 40}
